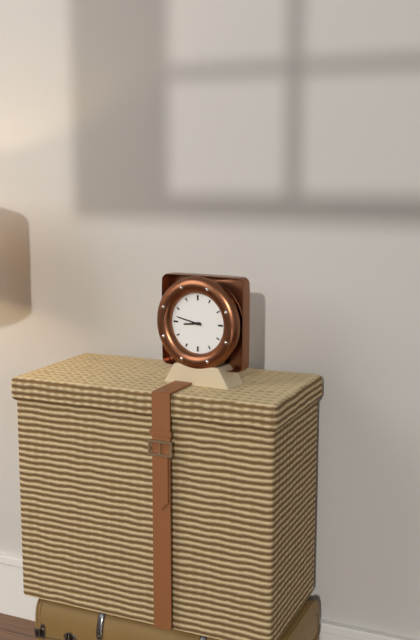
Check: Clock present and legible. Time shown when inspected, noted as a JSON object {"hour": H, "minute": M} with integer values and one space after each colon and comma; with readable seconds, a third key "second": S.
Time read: {"hour": 8, "minute": 47}
